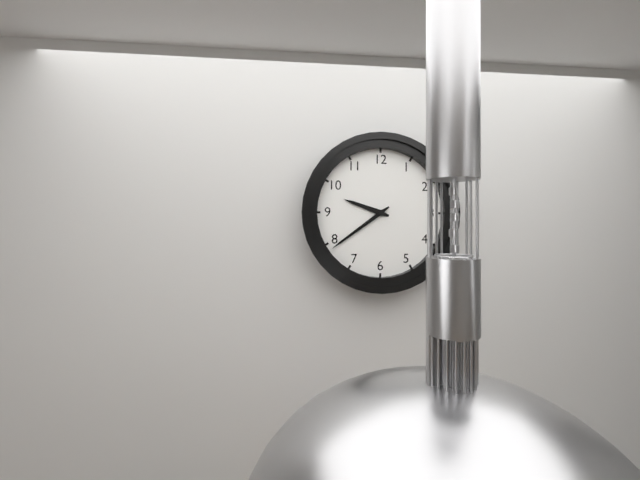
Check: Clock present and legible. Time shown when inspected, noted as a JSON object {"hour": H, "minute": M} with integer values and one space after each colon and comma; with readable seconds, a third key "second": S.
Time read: {"hour": 9, "minute": 39}
